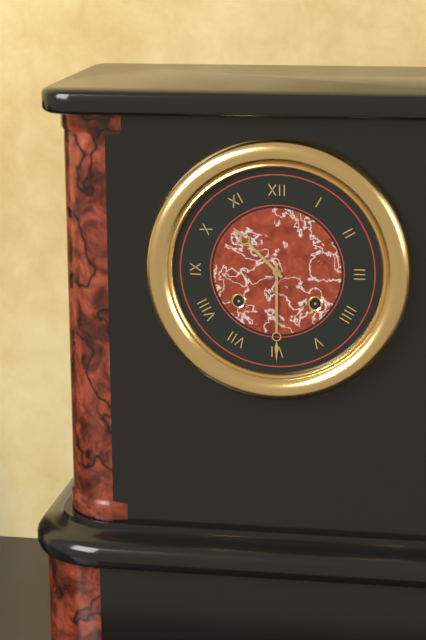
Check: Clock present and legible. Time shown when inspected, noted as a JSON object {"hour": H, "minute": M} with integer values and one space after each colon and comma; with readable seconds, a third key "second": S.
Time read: {"hour": 10, "minute": 30}
